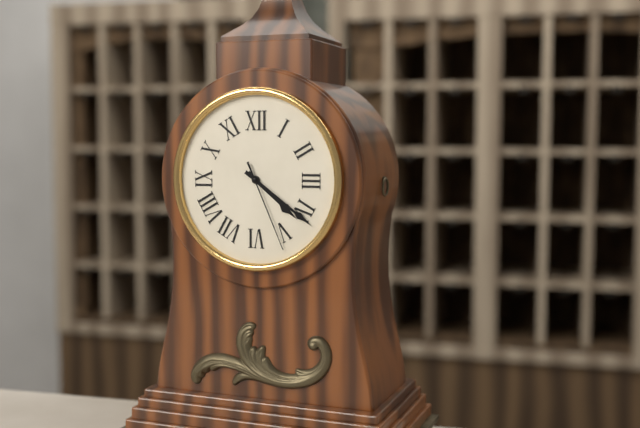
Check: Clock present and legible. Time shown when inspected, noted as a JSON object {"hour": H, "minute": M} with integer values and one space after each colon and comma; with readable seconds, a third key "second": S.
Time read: {"hour": 4, "minute": 21, "second": 26}
